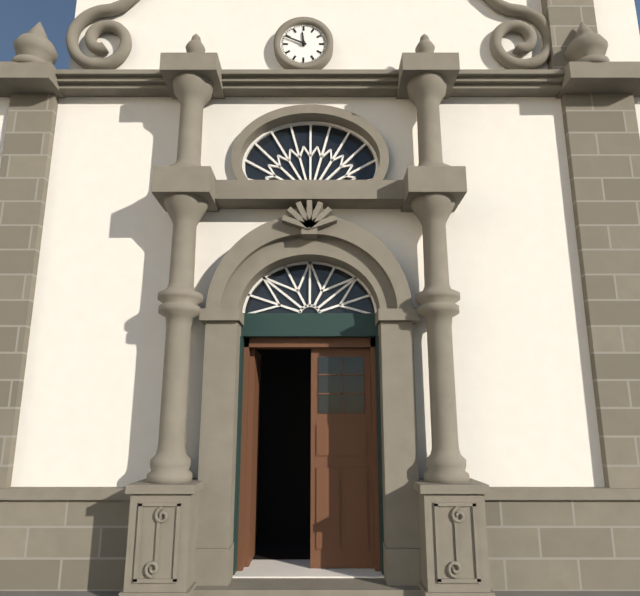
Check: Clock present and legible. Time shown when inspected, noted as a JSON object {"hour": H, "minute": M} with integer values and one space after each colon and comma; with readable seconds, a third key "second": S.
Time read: {"hour": 11, "minute": 49}
